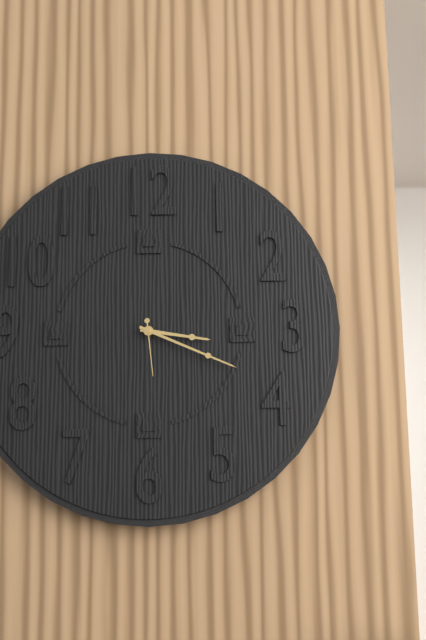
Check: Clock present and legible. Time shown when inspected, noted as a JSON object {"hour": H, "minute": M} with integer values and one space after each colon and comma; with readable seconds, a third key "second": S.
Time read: {"hour": 3, "minute": 19, "second": 29}
